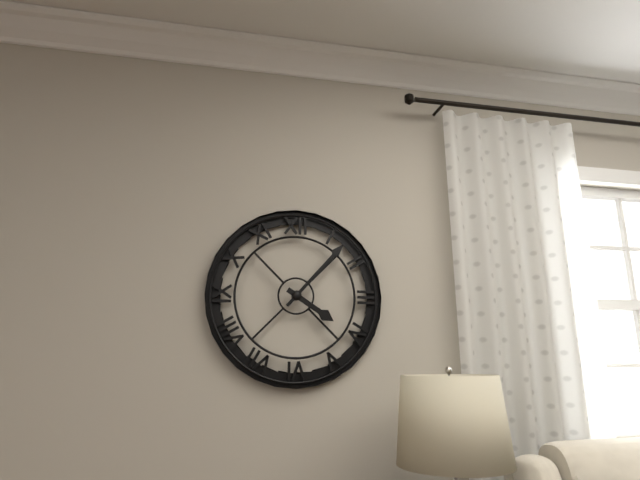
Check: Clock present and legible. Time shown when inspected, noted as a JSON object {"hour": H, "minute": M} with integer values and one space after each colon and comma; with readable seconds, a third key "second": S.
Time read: {"hour": 4, "minute": 7}
